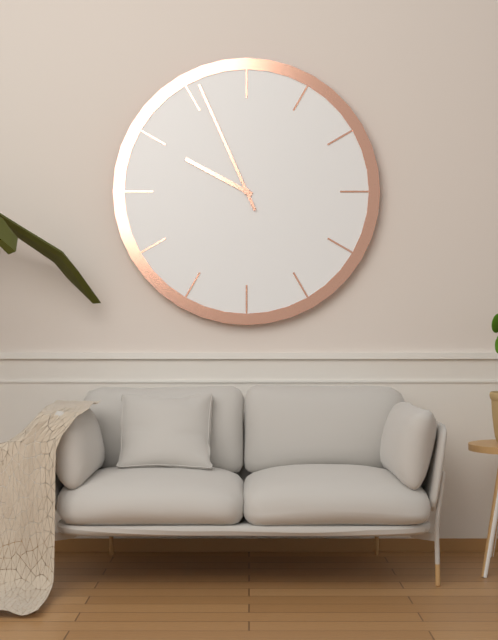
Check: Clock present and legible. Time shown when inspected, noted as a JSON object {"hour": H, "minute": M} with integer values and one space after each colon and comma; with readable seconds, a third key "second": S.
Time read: {"hour": 9, "minute": 56}
